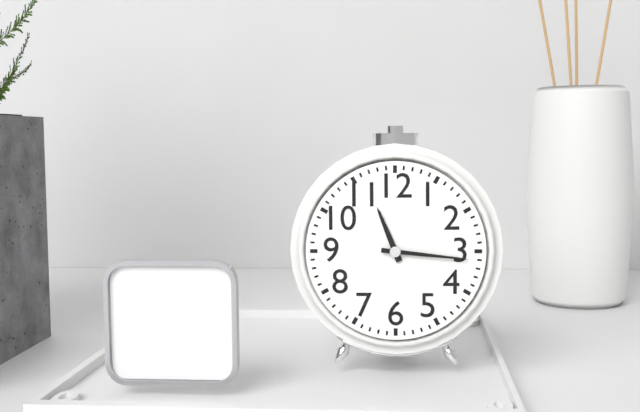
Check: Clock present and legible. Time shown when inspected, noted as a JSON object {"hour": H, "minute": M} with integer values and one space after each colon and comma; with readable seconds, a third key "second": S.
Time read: {"hour": 11, "minute": 16}
